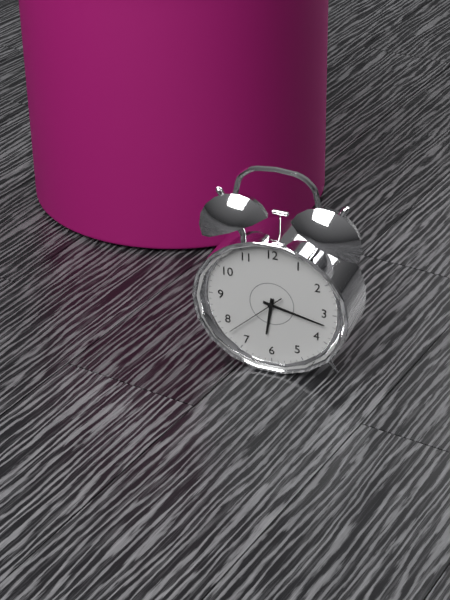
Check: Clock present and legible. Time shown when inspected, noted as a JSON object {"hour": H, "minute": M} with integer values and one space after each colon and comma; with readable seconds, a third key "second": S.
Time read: {"hour": 6, "minute": 17, "second": 38}
